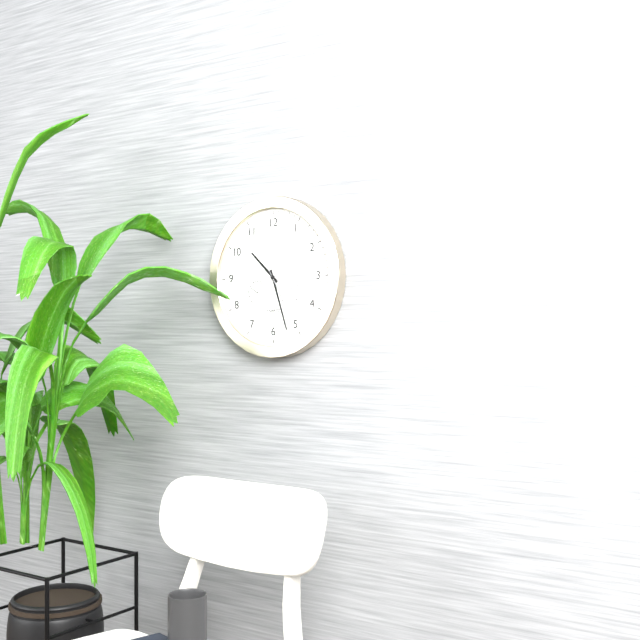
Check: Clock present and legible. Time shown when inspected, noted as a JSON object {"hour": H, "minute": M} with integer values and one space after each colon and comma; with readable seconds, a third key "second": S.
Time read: {"hour": 10, "minute": 27, "second": 55}
